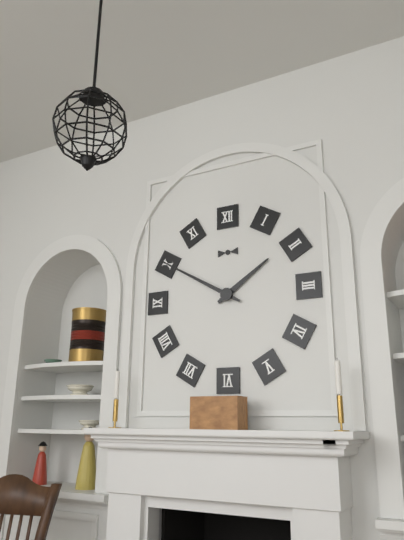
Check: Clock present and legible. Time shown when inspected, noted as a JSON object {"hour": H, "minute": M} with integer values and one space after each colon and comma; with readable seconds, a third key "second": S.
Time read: {"hour": 1, "minute": 50}
